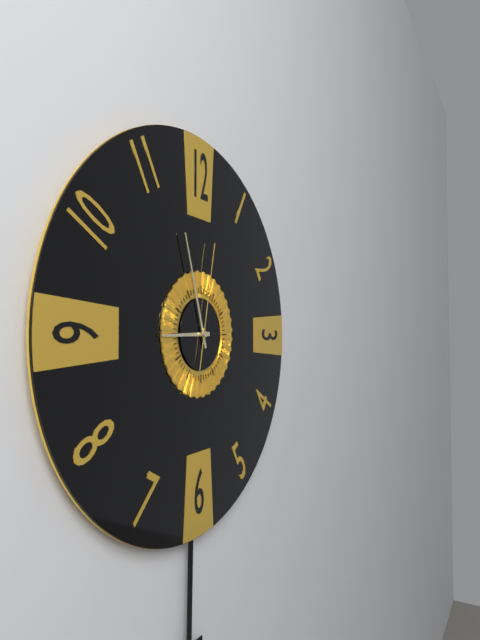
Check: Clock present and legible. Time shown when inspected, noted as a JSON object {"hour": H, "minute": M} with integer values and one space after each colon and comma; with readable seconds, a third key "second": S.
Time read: {"hour": 8, "minute": 57, "second": 2}
